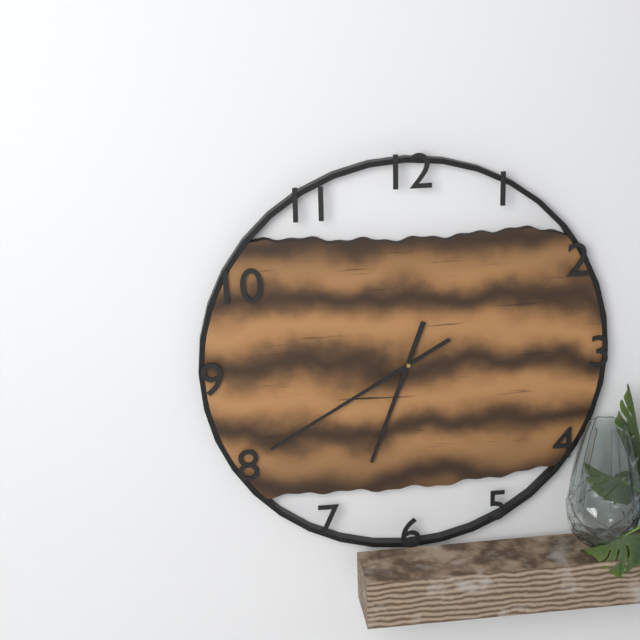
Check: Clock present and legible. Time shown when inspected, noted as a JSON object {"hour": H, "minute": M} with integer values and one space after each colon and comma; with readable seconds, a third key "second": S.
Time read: {"hour": 6, "minute": 40}
